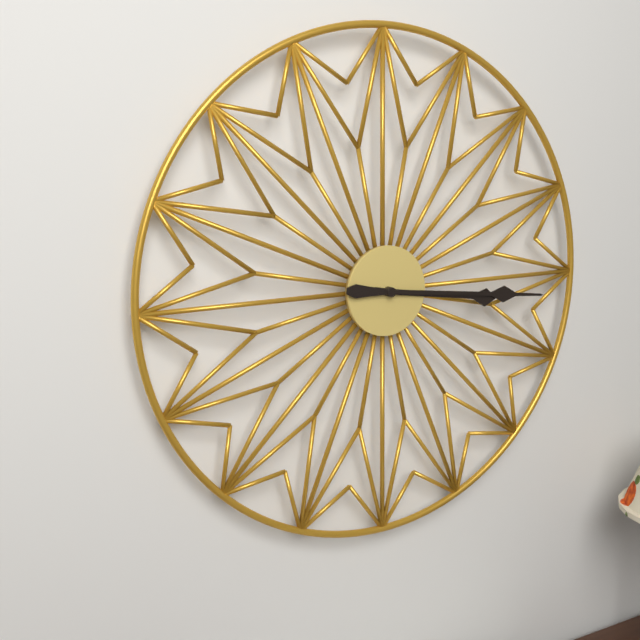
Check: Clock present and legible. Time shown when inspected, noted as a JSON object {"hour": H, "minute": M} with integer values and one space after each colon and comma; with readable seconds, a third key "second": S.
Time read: {"hour": 3, "minute": 16}
